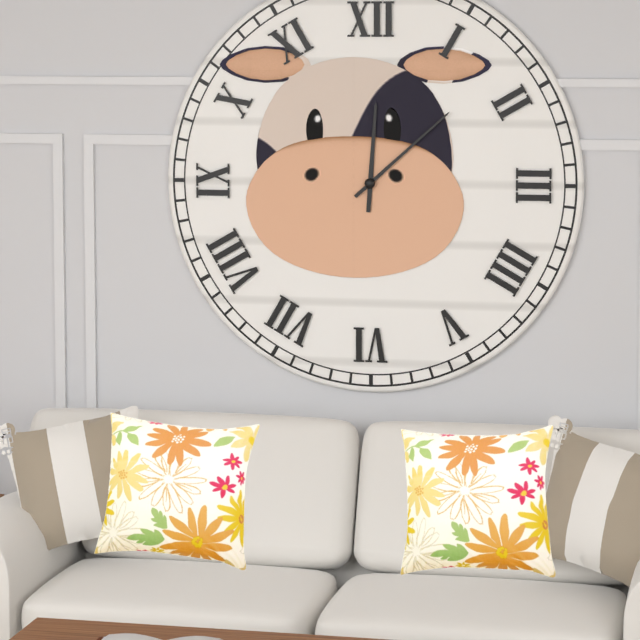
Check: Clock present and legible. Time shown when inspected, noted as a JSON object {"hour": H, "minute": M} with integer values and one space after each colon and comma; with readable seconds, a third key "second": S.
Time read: {"hour": 12, "minute": 8}
